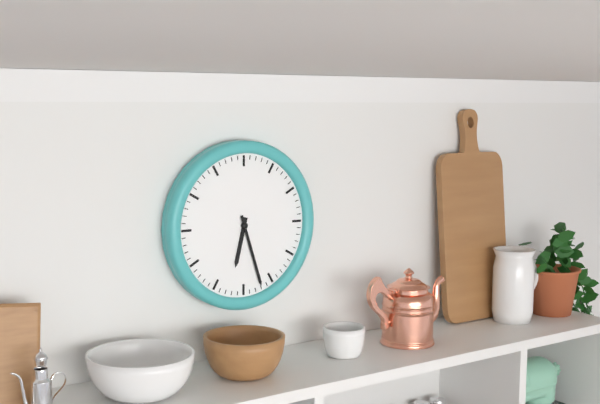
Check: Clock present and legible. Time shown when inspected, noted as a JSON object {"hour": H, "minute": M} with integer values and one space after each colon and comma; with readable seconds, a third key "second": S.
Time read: {"hour": 6, "minute": 27}
